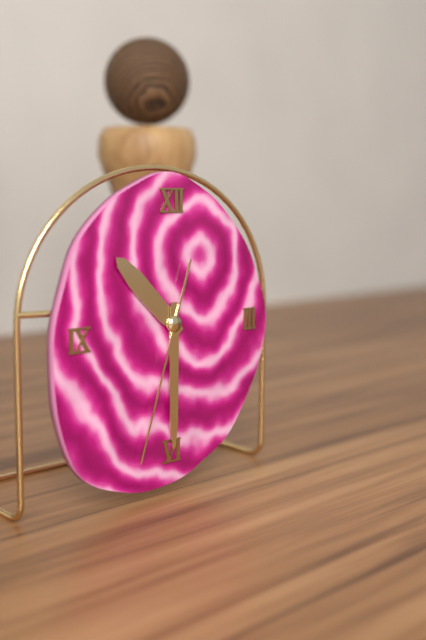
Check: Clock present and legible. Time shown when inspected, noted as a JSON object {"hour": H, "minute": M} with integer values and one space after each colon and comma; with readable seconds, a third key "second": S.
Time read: {"hour": 10, "minute": 30, "second": 33}
